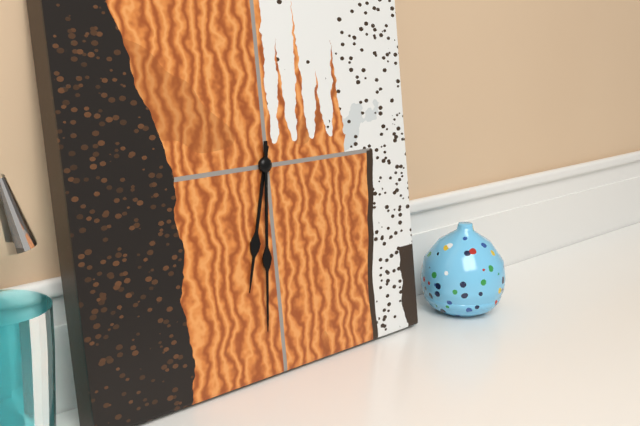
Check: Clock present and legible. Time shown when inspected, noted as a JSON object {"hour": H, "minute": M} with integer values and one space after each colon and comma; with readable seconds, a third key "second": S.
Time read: {"hour": 6, "minute": 31}
